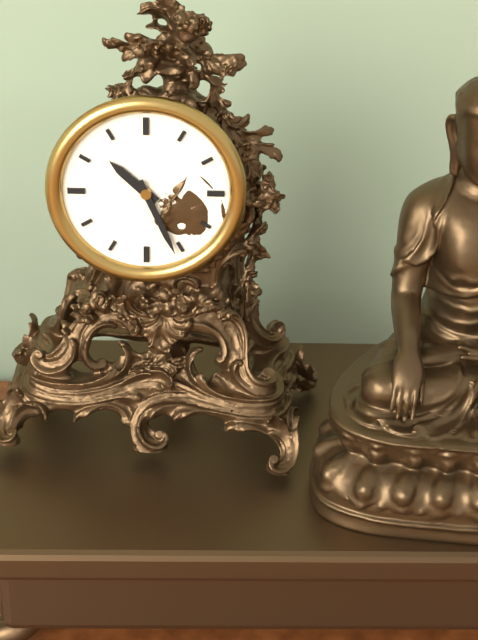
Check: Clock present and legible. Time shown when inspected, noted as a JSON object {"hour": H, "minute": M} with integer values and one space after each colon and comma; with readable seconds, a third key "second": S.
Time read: {"hour": 10, "minute": 26}
